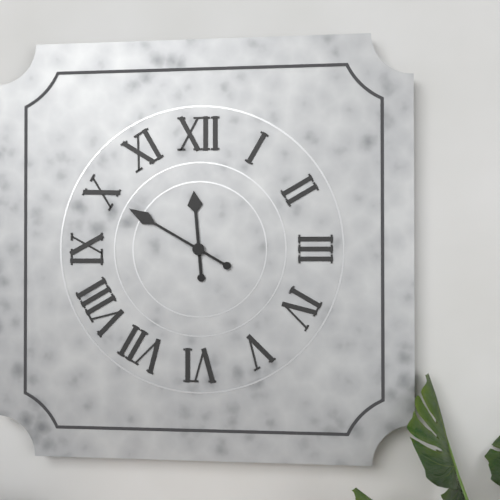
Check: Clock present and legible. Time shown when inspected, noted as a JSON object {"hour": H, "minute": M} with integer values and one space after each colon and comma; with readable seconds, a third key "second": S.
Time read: {"hour": 11, "minute": 50}
